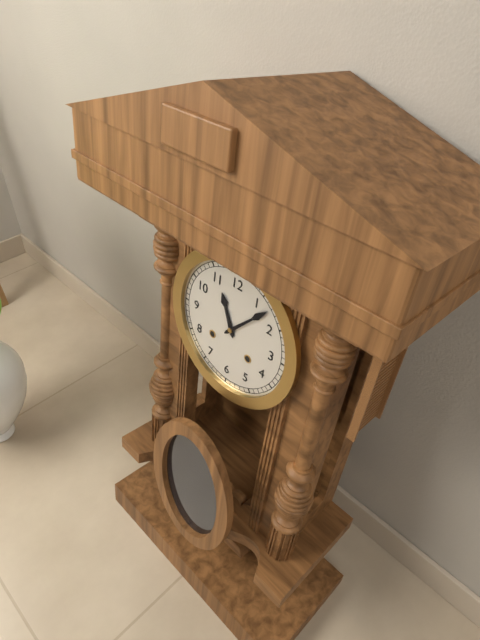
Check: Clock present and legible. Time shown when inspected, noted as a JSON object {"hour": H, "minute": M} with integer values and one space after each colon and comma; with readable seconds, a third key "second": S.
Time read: {"hour": 11, "minute": 7}
